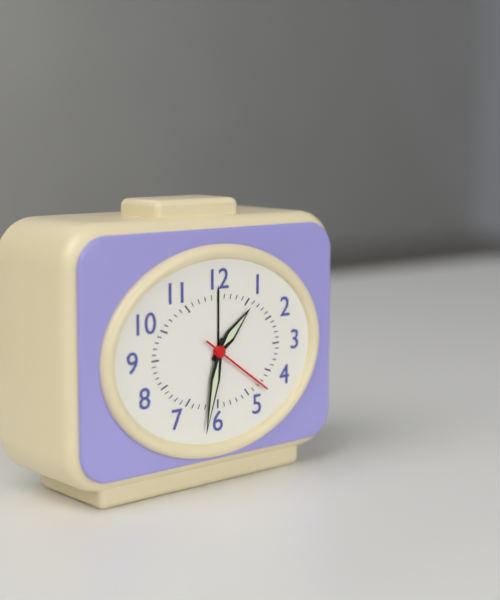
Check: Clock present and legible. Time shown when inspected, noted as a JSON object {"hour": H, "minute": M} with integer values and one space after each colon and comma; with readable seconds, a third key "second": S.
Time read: {"hour": 1, "minute": 32, "second": 21}
